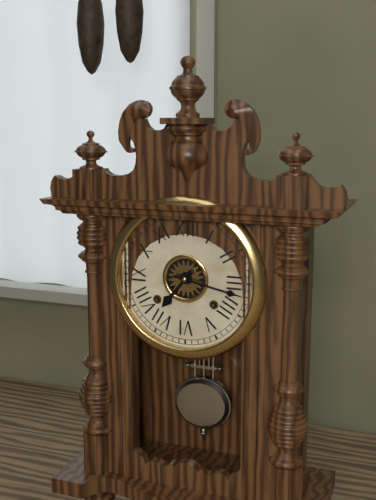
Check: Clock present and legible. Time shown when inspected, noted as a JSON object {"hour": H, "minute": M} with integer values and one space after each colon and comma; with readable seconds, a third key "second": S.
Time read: {"hour": 7, "minute": 17}
